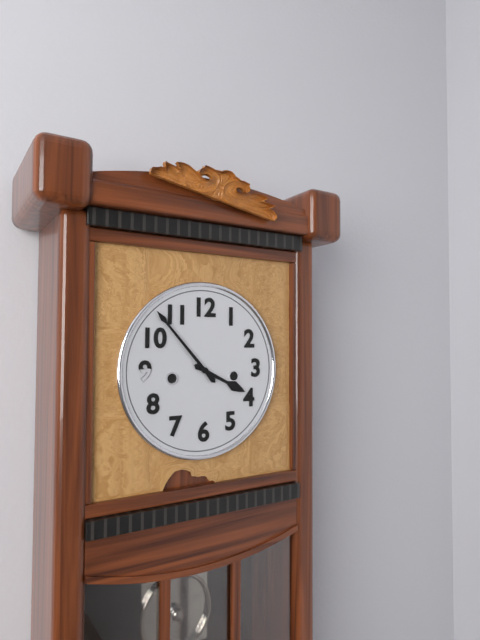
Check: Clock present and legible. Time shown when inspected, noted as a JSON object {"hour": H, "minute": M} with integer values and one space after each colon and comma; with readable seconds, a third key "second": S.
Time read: {"hour": 3, "minute": 53}
